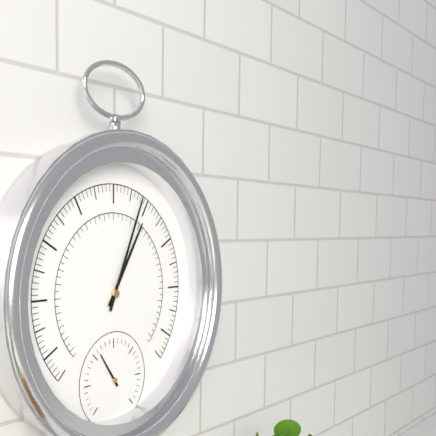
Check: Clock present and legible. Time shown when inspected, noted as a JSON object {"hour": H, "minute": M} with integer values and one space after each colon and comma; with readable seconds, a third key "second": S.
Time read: {"hour": 1, "minute": 4}
